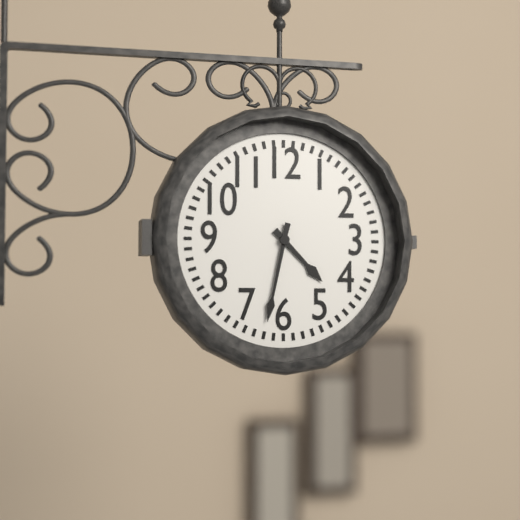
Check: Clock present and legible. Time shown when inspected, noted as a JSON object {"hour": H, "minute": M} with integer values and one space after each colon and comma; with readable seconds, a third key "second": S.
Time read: {"hour": 4, "minute": 32}
